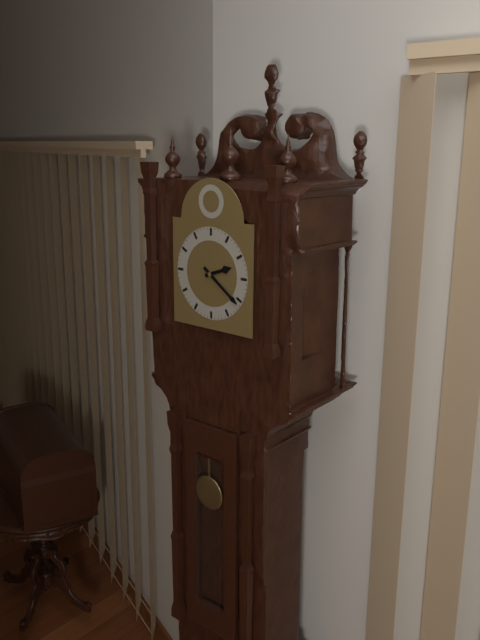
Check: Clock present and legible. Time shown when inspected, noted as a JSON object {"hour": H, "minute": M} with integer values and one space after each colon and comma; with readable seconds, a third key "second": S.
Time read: {"hour": 2, "minute": 21}
